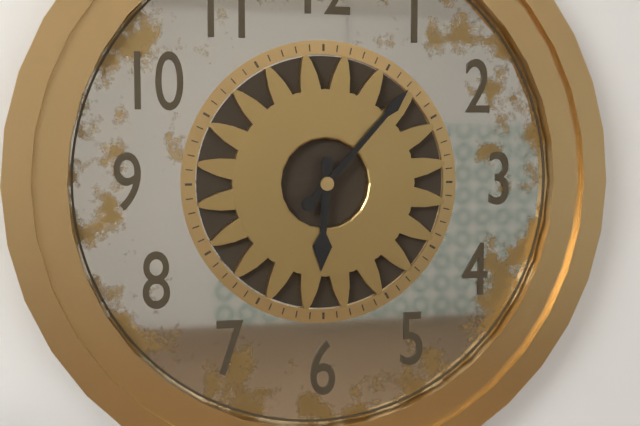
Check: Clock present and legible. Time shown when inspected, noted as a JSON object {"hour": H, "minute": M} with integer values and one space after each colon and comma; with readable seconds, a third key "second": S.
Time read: {"hour": 6, "minute": 7}
